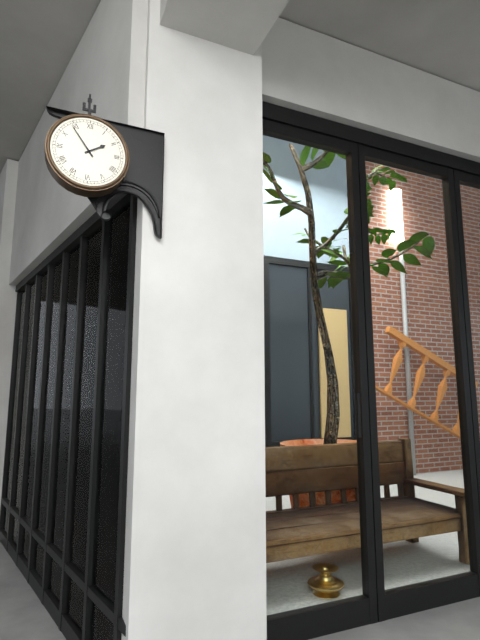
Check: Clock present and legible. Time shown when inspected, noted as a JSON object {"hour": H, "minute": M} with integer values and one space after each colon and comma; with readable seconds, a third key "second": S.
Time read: {"hour": 1, "minute": 54}
